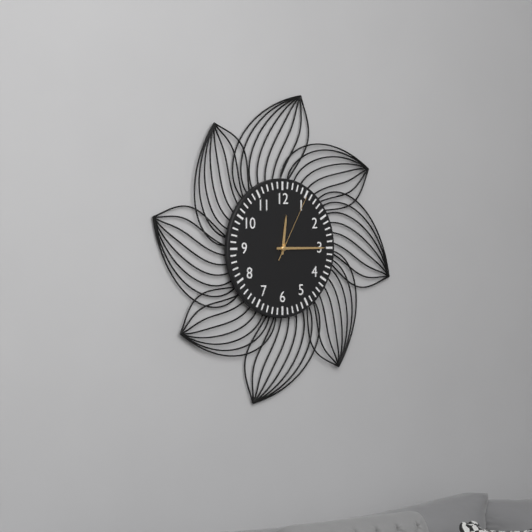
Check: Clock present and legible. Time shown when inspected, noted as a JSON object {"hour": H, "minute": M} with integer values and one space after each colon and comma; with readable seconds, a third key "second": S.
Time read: {"hour": 12, "minute": 15, "second": 5}
